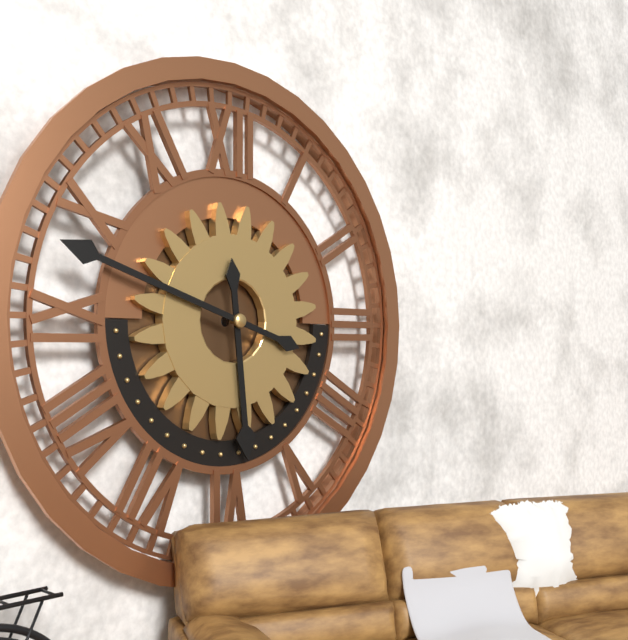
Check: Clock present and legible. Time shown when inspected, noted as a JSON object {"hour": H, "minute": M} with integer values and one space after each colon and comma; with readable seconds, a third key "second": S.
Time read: {"hour": 5, "minute": 48}
